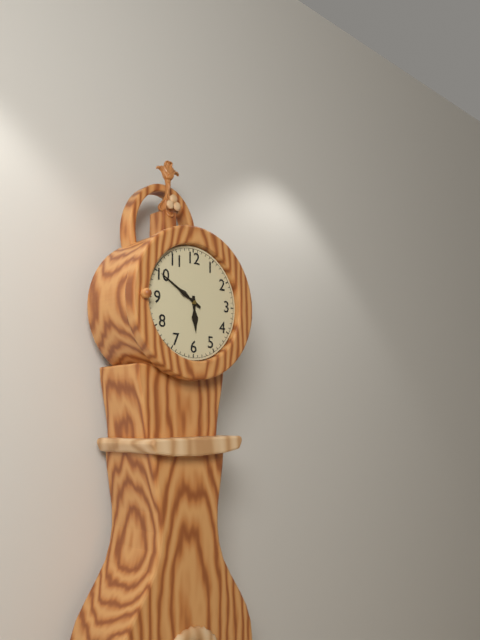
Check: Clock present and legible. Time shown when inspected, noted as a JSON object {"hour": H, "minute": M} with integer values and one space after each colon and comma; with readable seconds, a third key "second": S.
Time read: {"hour": 5, "minute": 50}
